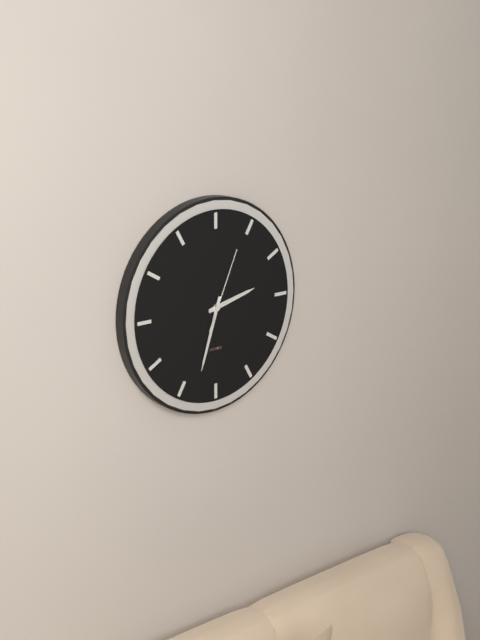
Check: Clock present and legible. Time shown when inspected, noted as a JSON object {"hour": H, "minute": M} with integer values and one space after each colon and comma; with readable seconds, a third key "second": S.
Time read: {"hour": 2, "minute": 33, "second": 4}
